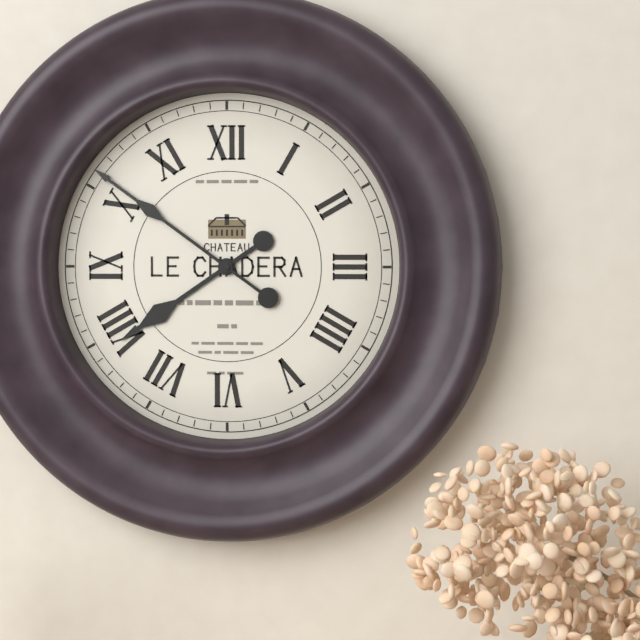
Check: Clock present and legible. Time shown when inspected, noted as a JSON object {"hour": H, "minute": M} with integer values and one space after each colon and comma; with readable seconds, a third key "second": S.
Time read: {"hour": 7, "minute": 51}
